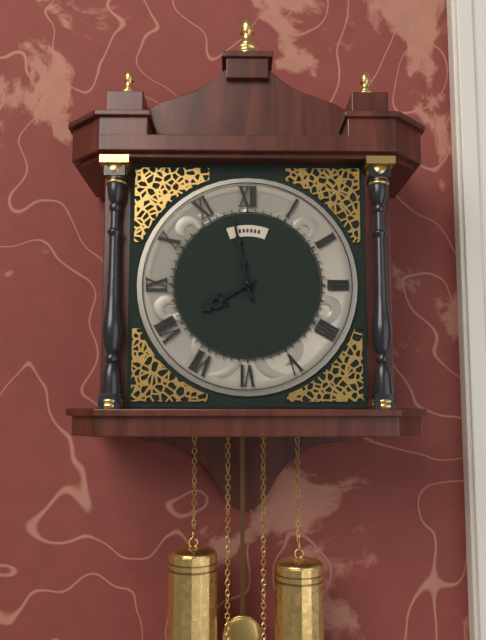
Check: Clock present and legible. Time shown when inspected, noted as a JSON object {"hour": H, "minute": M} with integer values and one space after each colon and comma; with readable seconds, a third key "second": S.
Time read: {"hour": 7, "minute": 58}
